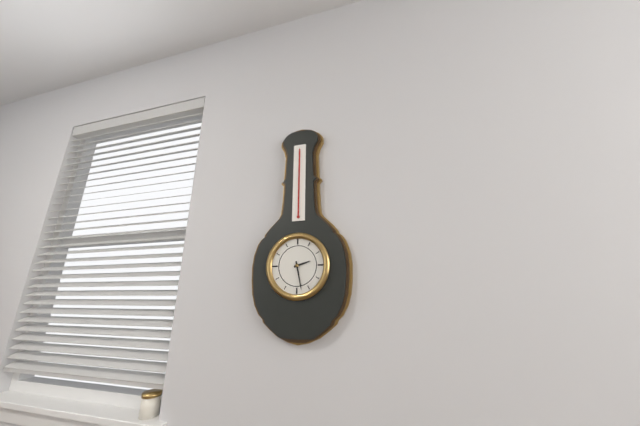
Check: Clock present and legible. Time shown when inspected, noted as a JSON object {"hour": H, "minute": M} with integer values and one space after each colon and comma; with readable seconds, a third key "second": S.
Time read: {"hour": 2, "minute": 28}
